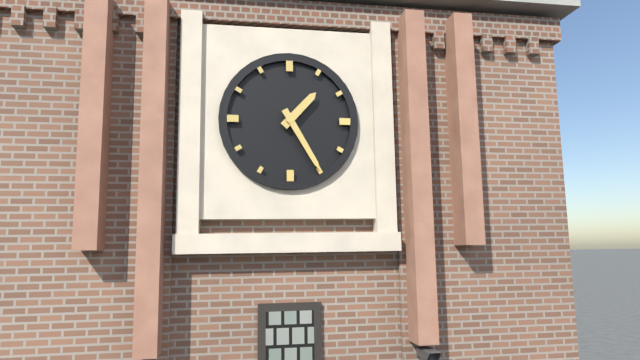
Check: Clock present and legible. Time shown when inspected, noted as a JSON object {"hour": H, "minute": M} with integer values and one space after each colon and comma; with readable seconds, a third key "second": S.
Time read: {"hour": 1, "minute": 25}
